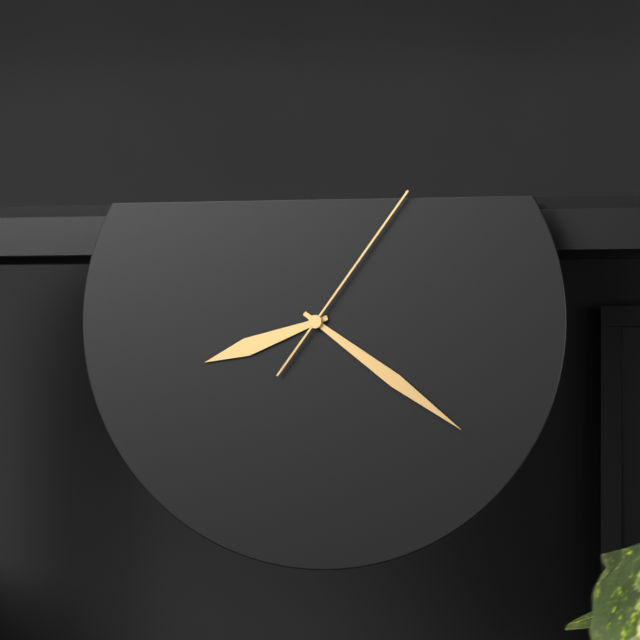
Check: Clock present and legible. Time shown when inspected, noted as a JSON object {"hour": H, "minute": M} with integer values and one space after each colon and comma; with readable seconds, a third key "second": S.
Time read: {"hour": 8, "minute": 21, "second": 6}
